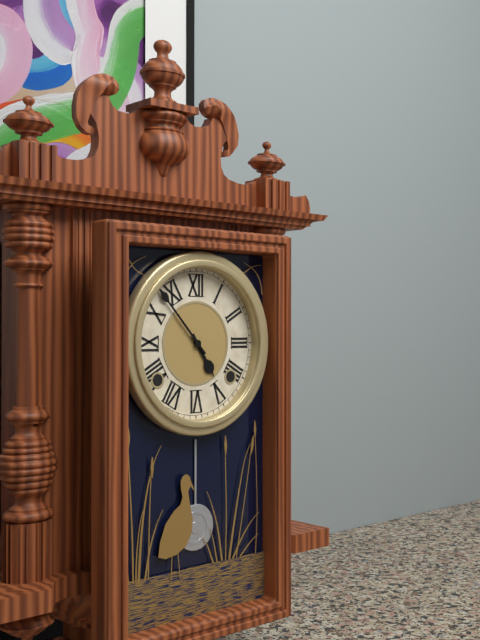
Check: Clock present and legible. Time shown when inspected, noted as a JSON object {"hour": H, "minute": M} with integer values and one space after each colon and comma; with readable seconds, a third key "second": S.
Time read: {"hour": 4, "minute": 53}
